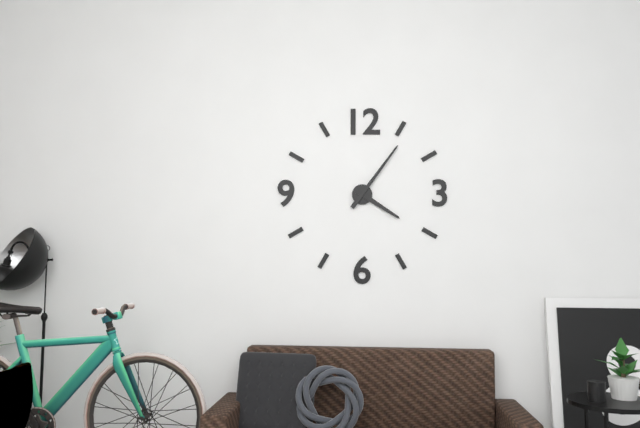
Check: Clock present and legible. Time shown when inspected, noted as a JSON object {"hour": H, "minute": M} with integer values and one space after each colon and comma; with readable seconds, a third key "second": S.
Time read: {"hour": 4, "minute": 6}
